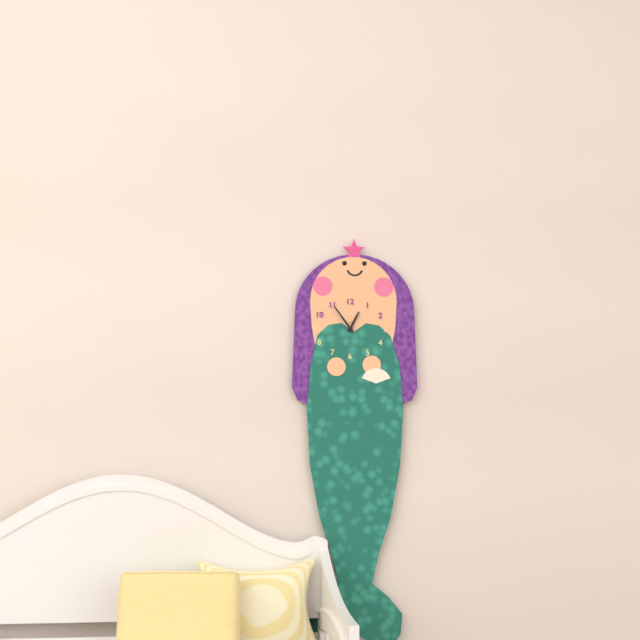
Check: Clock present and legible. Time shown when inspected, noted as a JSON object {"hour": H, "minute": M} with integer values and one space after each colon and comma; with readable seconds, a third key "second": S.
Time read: {"hour": 12, "minute": 54}
